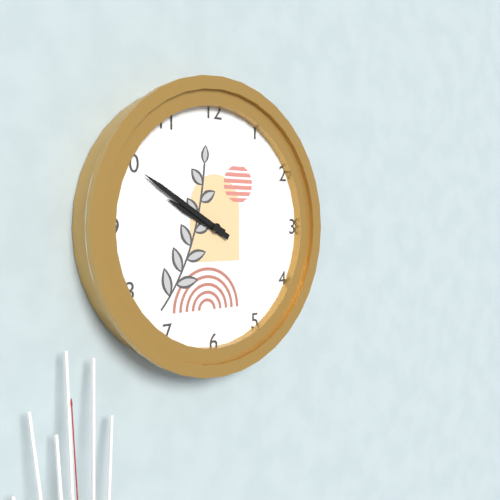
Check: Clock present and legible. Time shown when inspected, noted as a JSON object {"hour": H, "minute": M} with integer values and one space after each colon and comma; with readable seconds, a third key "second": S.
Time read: {"hour": 9, "minute": 50}
